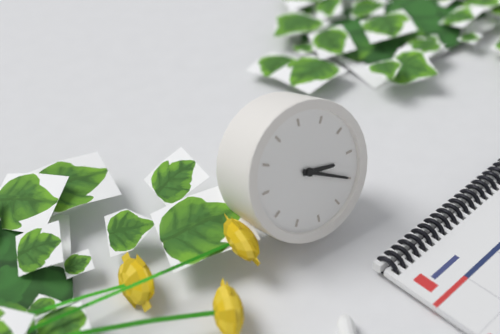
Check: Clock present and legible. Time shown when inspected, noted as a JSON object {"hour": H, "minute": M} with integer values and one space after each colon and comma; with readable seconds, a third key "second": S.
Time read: {"hour": 3, "minute": 20}
